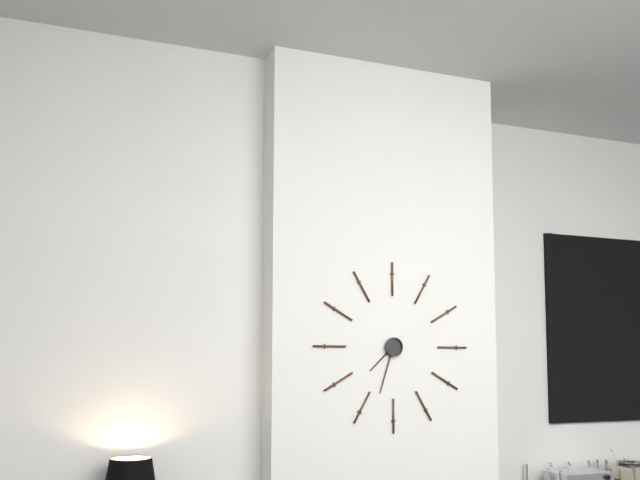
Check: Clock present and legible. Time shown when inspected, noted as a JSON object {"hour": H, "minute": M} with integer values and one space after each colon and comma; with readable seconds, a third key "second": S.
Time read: {"hour": 7, "minute": 33}
